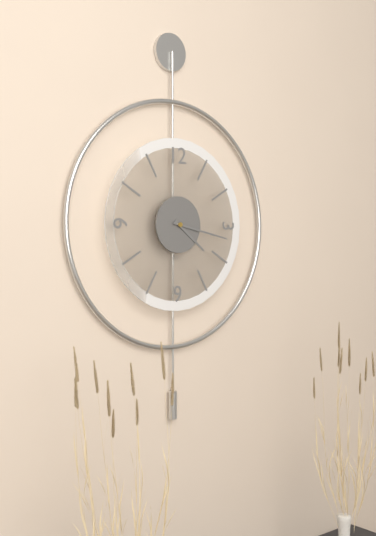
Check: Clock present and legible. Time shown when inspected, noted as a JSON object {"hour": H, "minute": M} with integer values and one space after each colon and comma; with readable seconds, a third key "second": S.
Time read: {"hour": 4, "minute": 17}
